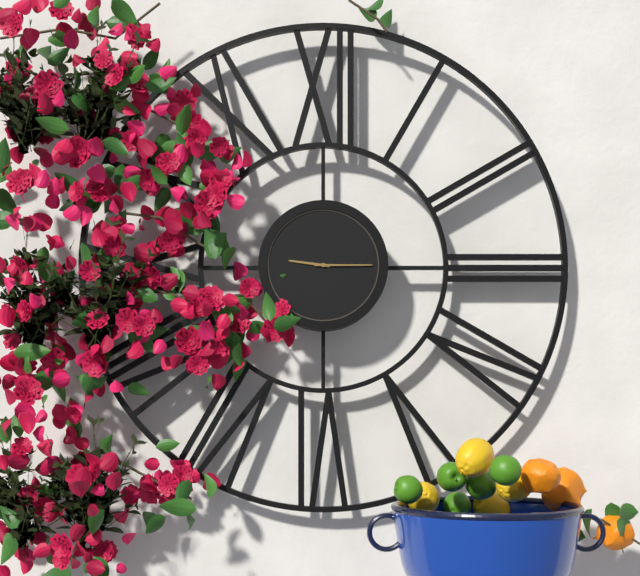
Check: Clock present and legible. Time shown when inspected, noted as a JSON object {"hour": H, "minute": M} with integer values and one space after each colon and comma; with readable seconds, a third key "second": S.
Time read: {"hour": 9, "minute": 15}
